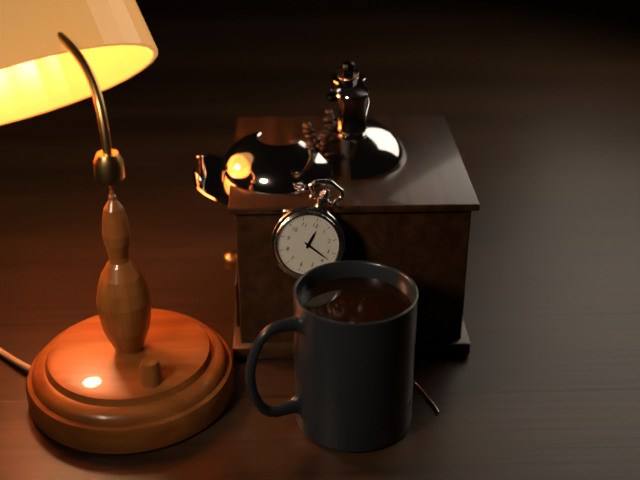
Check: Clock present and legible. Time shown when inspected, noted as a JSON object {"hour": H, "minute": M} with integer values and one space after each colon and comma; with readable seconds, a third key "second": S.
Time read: {"hour": 12, "minute": 18}
